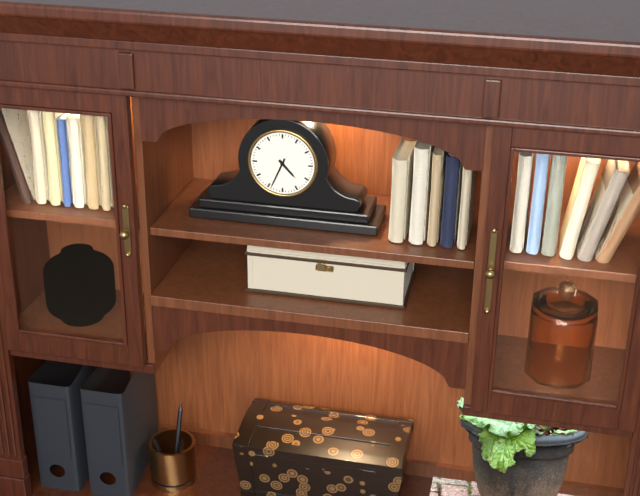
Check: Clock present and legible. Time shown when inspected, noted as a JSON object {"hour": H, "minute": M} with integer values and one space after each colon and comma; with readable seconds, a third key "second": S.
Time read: {"hour": 4, "minute": 34}
